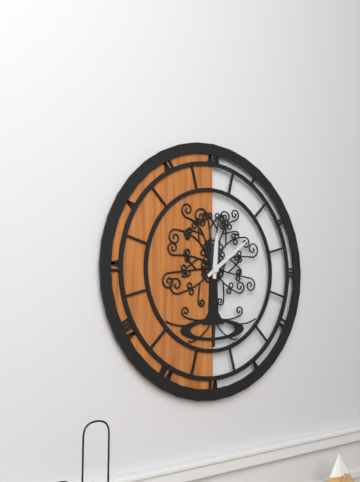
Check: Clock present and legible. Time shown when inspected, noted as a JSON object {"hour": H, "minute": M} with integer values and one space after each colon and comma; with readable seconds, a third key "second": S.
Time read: {"hour": 12, "minute": 9}
